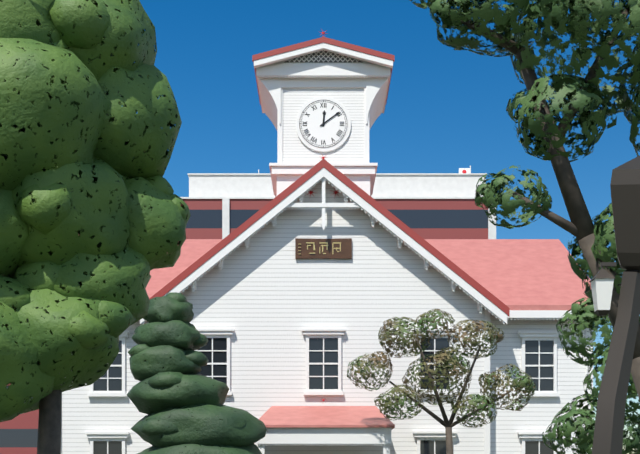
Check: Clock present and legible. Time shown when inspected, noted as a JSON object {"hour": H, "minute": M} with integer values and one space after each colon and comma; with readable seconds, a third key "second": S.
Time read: {"hour": 12, "minute": 9}
